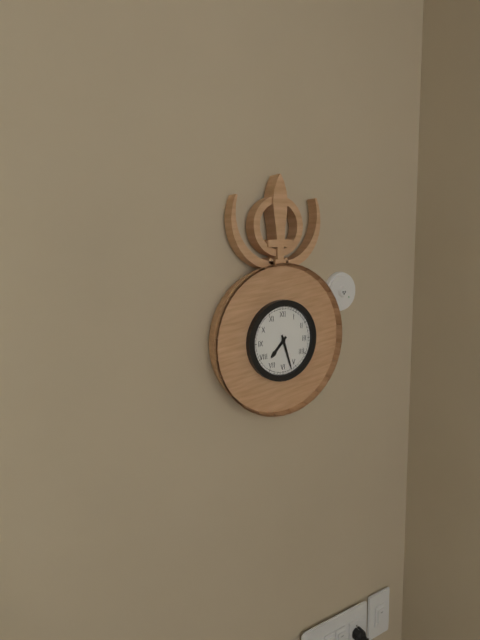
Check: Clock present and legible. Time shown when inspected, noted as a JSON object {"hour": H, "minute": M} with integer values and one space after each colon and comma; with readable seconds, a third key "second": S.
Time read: {"hour": 7, "minute": 27}
